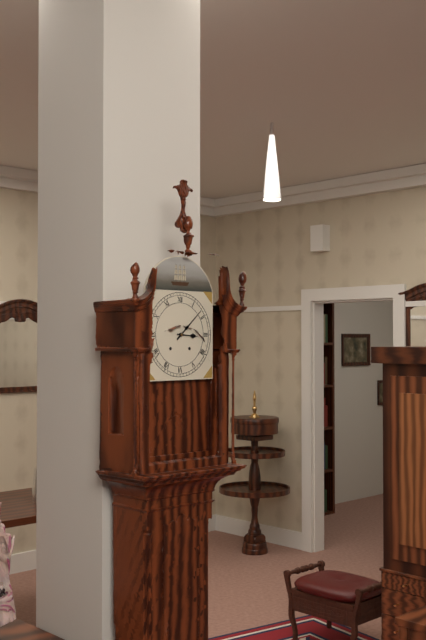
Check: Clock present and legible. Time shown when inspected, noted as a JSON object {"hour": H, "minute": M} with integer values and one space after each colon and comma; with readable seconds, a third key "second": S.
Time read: {"hour": 3, "minute": 8}
